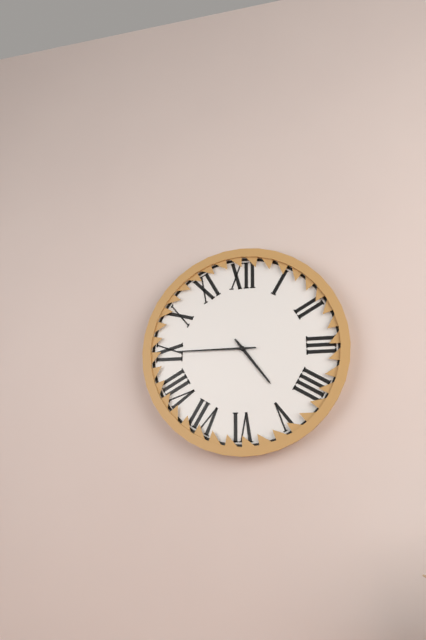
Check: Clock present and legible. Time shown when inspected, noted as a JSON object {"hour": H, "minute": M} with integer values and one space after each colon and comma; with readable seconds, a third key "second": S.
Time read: {"hour": 4, "minute": 45}
